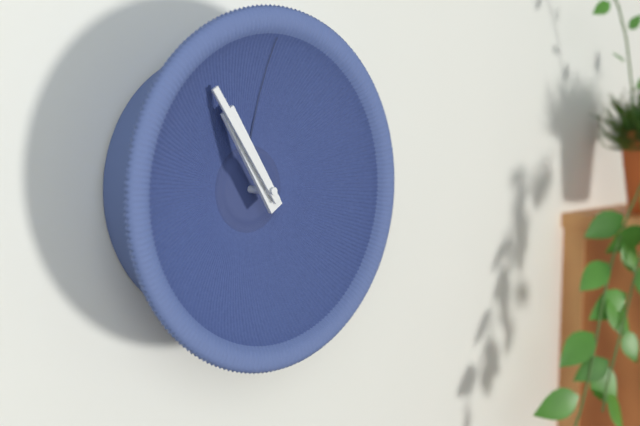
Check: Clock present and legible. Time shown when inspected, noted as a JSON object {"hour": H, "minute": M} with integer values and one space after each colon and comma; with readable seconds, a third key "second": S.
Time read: {"hour": 10, "minute": 54}
